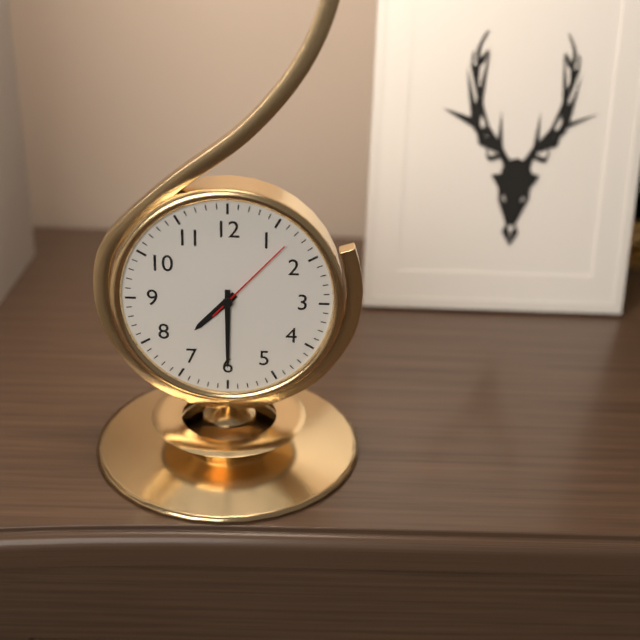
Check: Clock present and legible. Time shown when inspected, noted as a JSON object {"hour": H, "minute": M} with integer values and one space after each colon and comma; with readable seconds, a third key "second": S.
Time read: {"hour": 7, "minute": 30, "second": 7}
